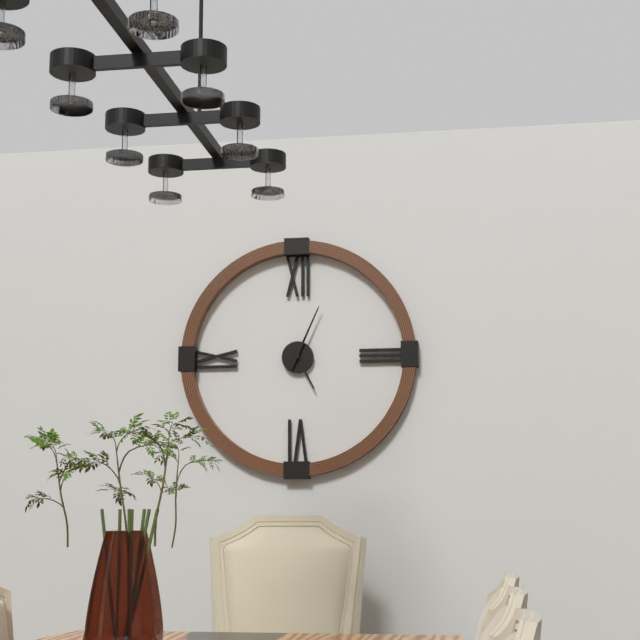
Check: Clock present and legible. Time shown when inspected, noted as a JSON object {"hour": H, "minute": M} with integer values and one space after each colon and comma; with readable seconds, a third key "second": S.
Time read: {"hour": 5, "minute": 4}
